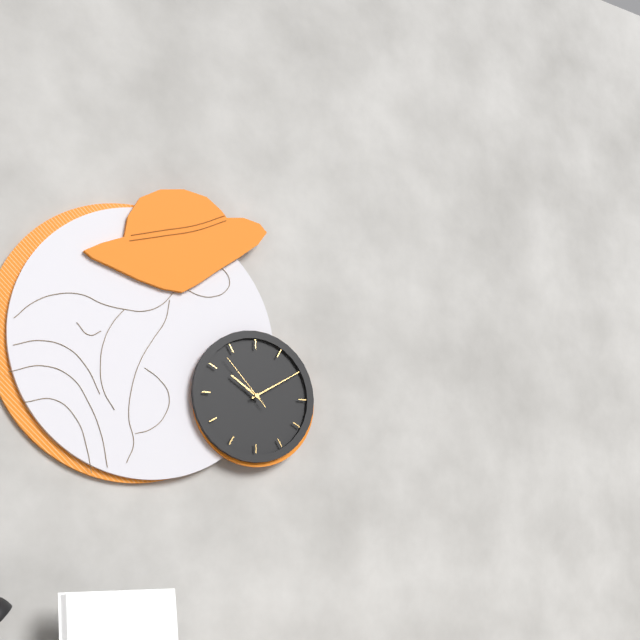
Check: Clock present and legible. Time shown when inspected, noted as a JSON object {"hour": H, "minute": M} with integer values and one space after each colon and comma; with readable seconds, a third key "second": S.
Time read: {"hour": 10, "minute": 10, "second": 53}
